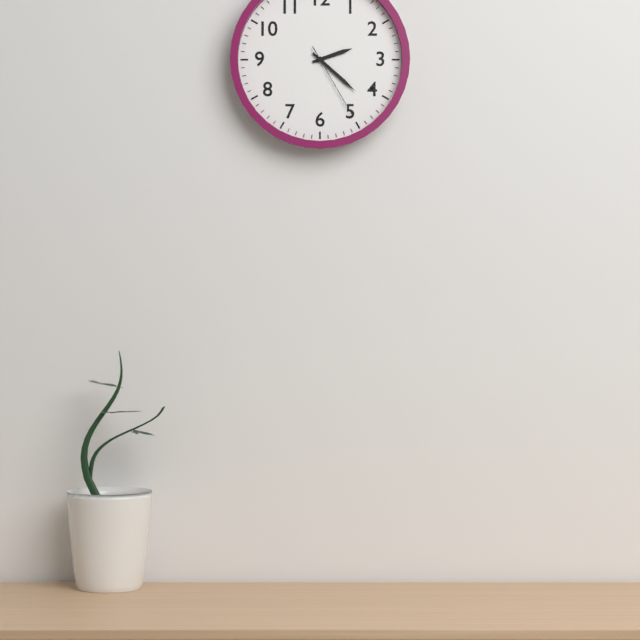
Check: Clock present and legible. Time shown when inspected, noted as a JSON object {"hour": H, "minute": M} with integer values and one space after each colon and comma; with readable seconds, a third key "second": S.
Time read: {"hour": 2, "minute": 22, "second": 25}
